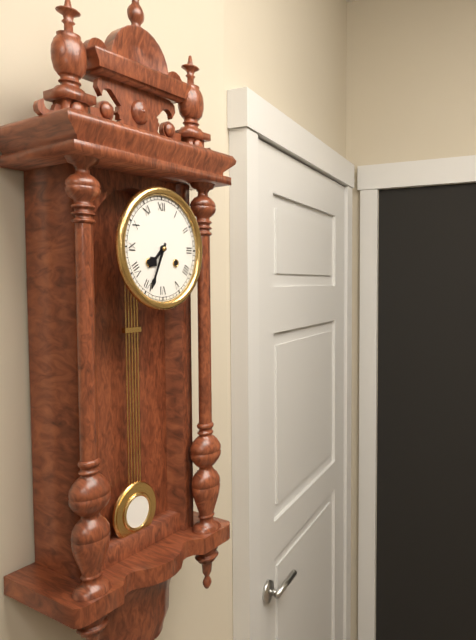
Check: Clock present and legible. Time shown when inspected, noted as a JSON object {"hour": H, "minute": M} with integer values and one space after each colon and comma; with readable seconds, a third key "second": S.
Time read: {"hour": 7, "minute": 34}
